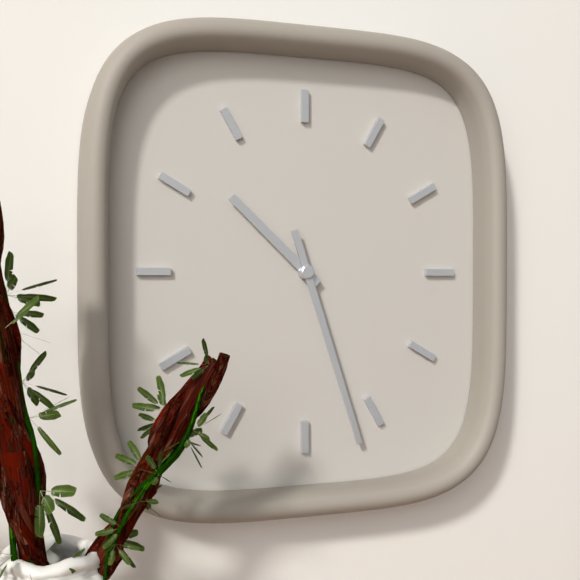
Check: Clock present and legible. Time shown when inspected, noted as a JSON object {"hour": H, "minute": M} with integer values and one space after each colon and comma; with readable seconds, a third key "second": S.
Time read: {"hour": 10, "minute": 27}
